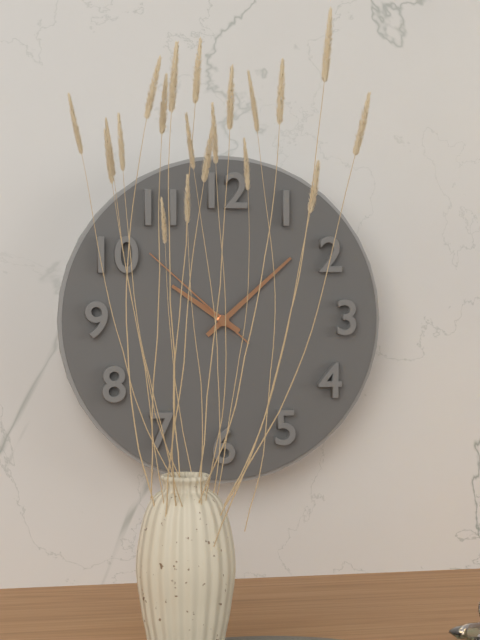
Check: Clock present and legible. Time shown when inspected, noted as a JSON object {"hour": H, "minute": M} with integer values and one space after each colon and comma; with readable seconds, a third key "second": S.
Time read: {"hour": 10, "minute": 8, "second": 52}
